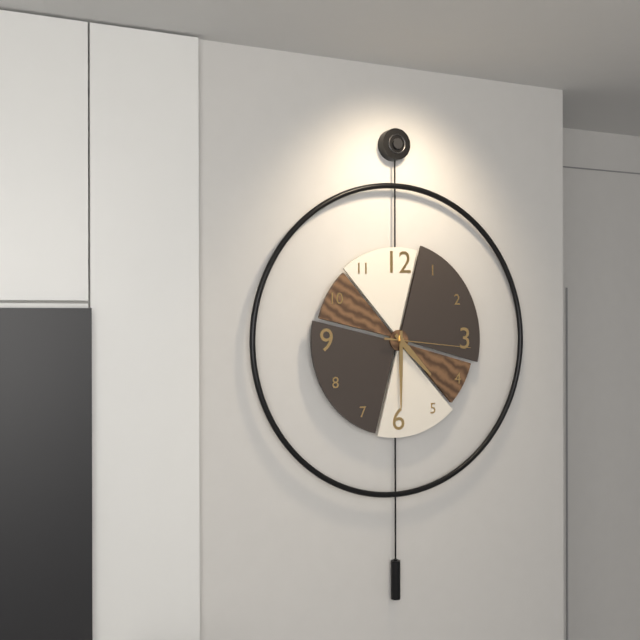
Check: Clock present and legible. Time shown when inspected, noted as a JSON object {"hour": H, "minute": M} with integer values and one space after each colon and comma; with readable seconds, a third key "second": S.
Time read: {"hour": 4, "minute": 30, "second": 16}
